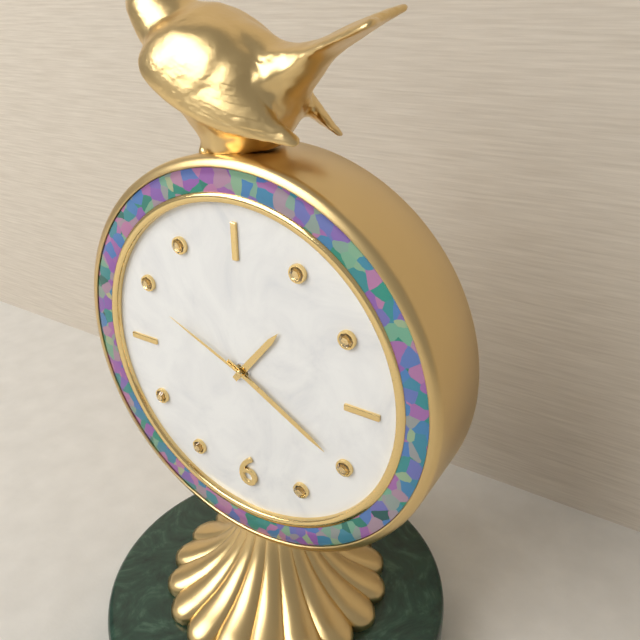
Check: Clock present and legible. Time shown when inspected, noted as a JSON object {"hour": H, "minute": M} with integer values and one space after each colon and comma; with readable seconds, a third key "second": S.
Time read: {"hour": 1, "minute": 20, "second": 49}
